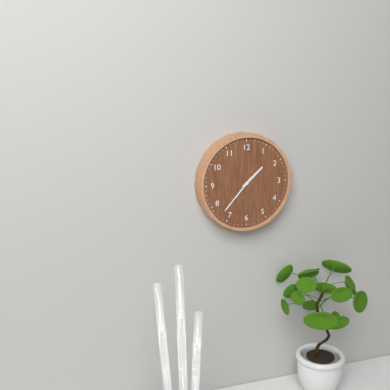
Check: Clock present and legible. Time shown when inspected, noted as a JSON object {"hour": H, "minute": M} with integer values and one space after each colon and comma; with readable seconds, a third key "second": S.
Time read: {"hour": 1, "minute": 37}
